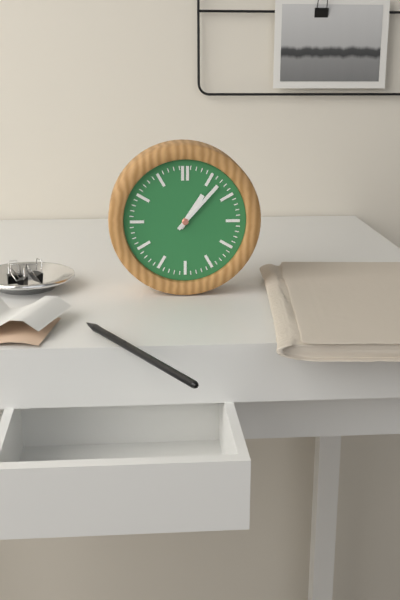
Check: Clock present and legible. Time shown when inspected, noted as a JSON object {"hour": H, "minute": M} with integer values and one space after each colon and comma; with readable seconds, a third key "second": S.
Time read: {"hour": 1, "minute": 7}
